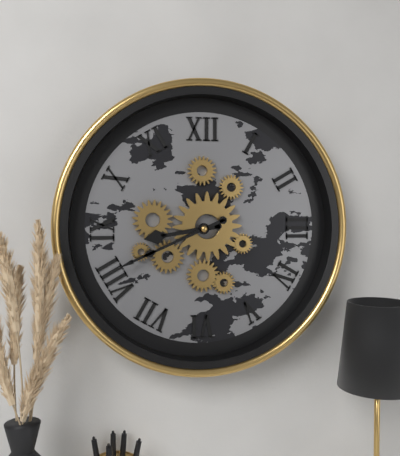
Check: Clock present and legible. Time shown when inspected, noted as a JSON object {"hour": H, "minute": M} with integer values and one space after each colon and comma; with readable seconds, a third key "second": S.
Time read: {"hour": 8, "minute": 41}
